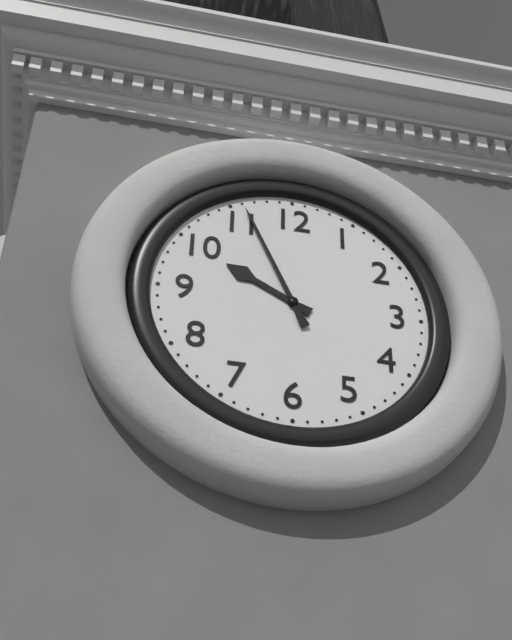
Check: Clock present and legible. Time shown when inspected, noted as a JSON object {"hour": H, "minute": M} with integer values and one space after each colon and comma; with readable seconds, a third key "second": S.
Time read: {"hour": 9, "minute": 56}
